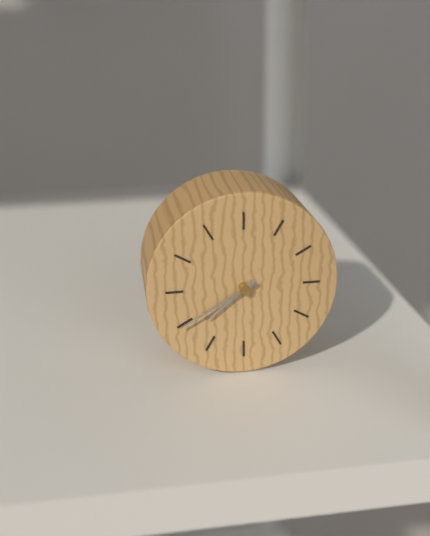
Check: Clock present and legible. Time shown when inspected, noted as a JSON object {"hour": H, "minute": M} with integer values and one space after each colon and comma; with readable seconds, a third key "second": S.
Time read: {"hour": 7, "minute": 40}
